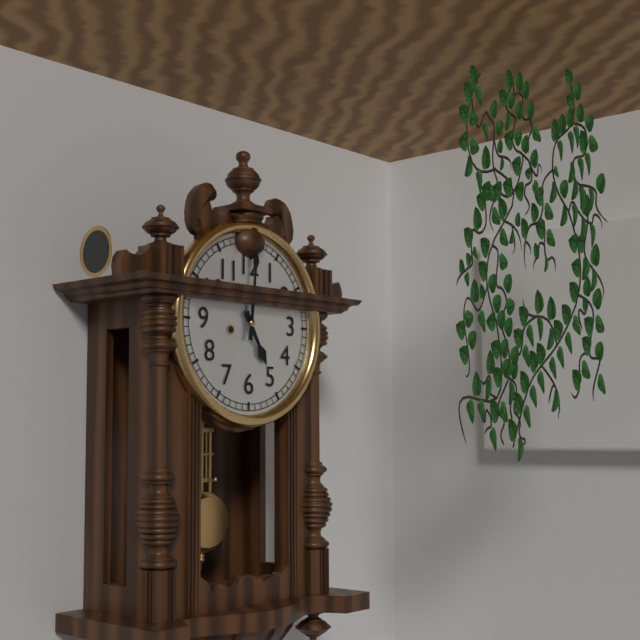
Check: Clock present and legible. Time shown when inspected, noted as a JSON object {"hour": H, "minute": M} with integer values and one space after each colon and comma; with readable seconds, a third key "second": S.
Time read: {"hour": 5, "minute": 1}
